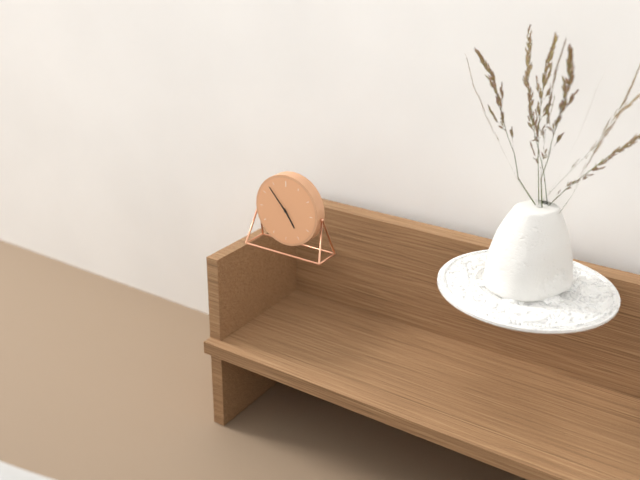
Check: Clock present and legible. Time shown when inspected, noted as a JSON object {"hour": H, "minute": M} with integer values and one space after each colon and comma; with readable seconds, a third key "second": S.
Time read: {"hour": 4, "minute": 53}
